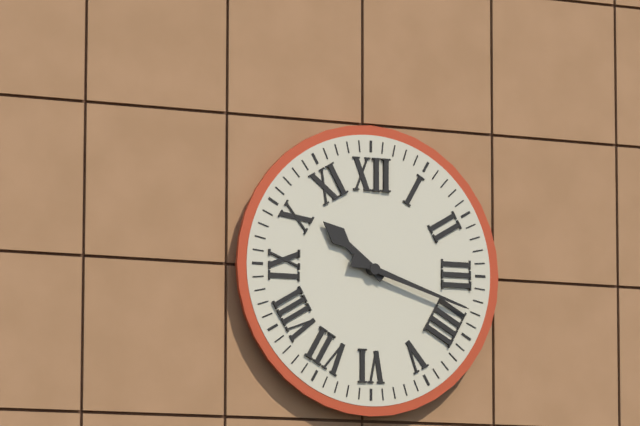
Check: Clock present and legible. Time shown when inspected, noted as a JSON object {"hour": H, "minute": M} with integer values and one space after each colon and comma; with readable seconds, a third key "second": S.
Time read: {"hour": 10, "minute": 18}
